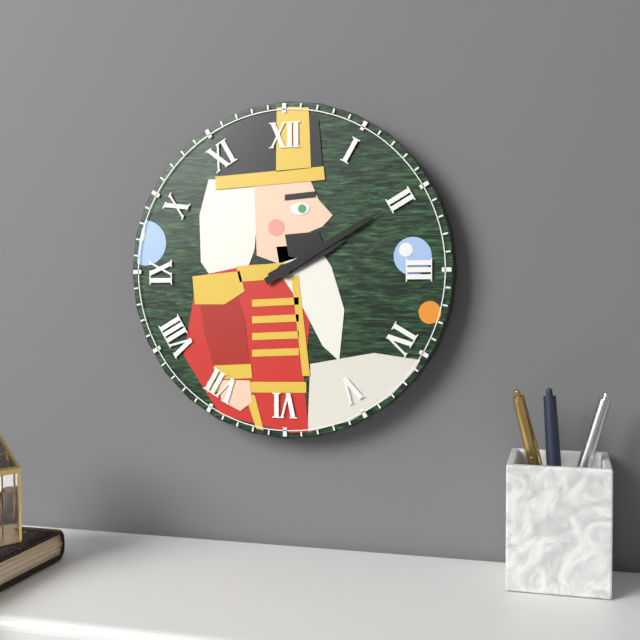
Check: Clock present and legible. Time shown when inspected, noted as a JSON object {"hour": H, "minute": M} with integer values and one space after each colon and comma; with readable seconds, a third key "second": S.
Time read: {"hour": 2, "minute": 10}
